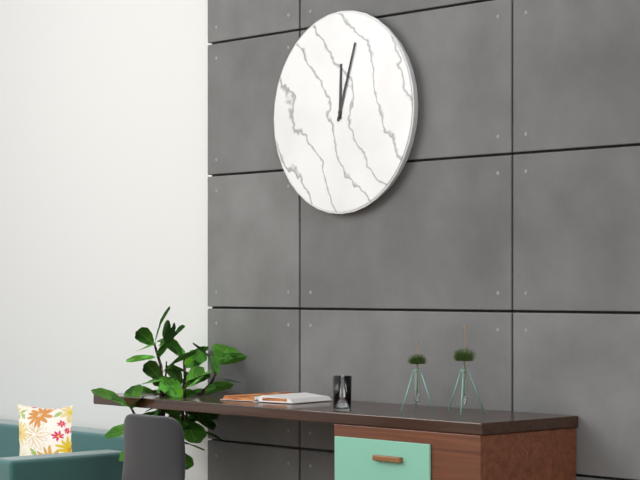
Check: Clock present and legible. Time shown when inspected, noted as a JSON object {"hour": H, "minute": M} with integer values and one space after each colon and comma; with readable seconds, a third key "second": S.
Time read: {"hour": 12, "minute": 3}
